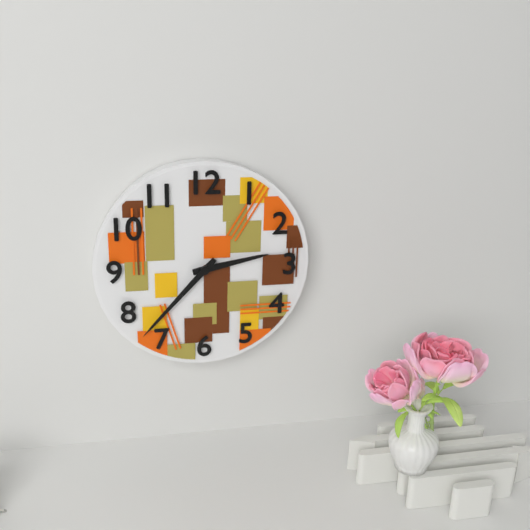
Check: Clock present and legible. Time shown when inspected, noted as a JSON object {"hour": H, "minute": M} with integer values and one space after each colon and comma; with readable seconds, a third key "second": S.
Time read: {"hour": 2, "minute": 37}
